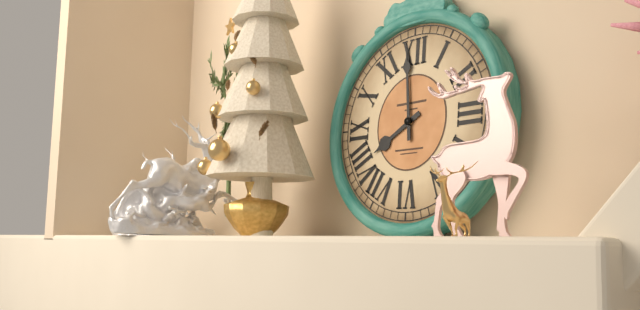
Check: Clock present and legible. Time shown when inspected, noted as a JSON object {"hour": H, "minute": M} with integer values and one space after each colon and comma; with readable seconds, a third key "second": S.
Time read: {"hour": 7, "minute": 59}
